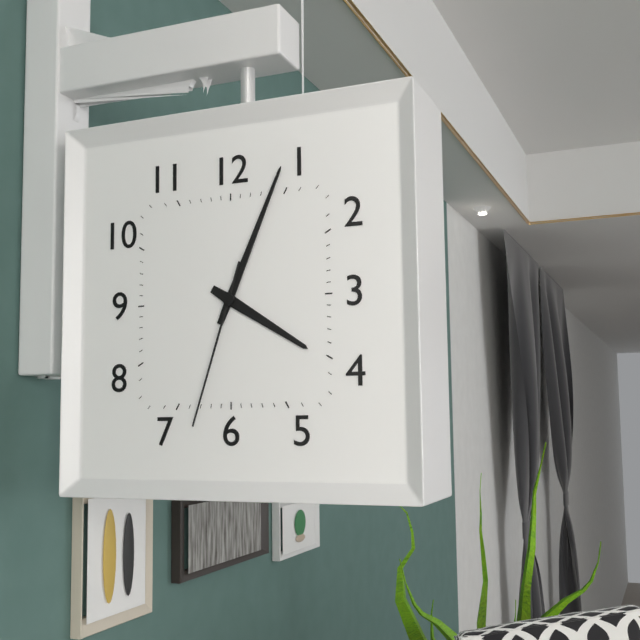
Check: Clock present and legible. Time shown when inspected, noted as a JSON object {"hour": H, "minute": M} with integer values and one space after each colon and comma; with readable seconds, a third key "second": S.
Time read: {"hour": 4, "minute": 4, "second": 33}
